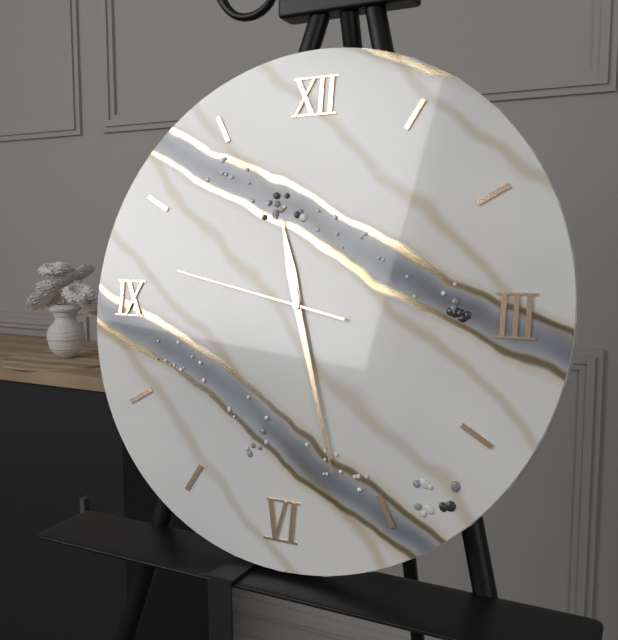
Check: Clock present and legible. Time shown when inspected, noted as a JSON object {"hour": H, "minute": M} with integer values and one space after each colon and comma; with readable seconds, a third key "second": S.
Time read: {"hour": 11, "minute": 27, "second": 47}
